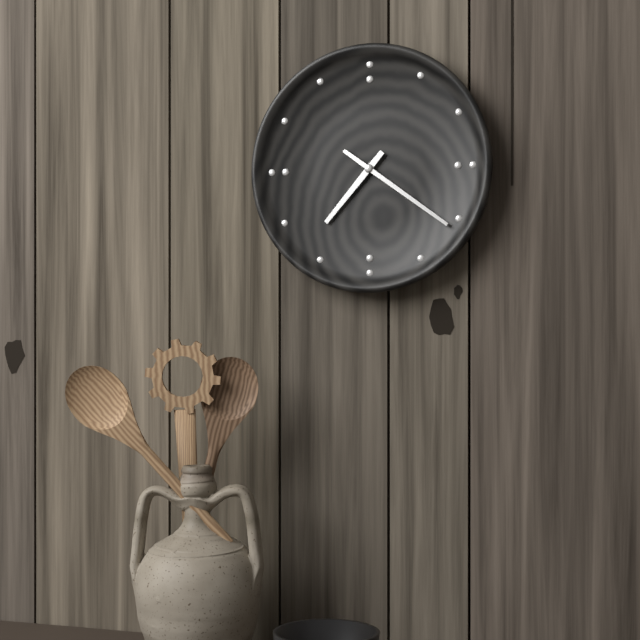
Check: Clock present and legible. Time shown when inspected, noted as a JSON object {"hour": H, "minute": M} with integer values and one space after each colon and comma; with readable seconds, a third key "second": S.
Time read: {"hour": 7, "minute": 21}
